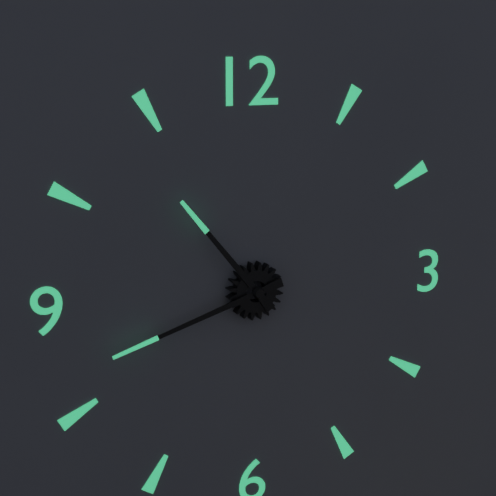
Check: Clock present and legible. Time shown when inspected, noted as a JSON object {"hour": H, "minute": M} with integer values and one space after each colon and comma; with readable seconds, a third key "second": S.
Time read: {"hour": 10, "minute": 42}
